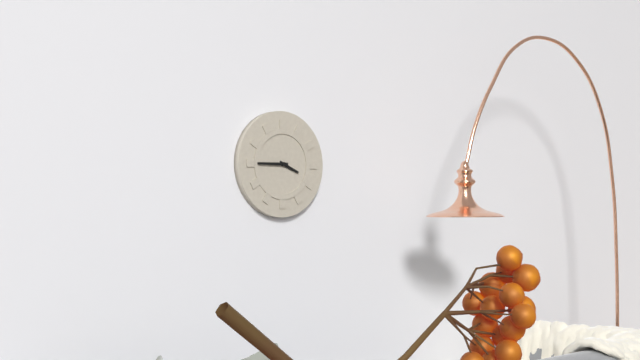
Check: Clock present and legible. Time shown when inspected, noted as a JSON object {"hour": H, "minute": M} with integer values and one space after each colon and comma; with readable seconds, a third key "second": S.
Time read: {"hour": 3, "minute": 45}
